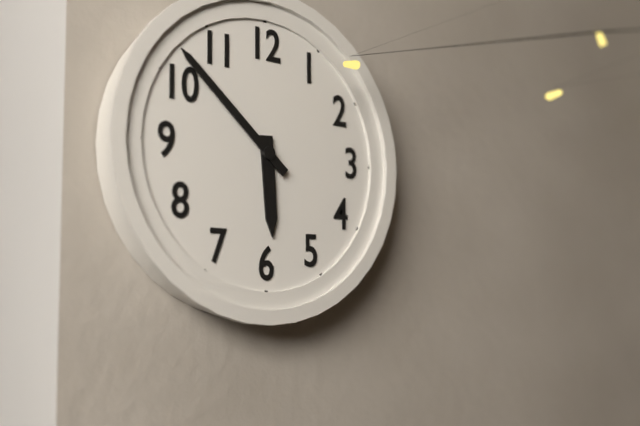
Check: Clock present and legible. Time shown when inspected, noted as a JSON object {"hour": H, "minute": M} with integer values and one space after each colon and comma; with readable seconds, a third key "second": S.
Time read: {"hour": 5, "minute": 52}
